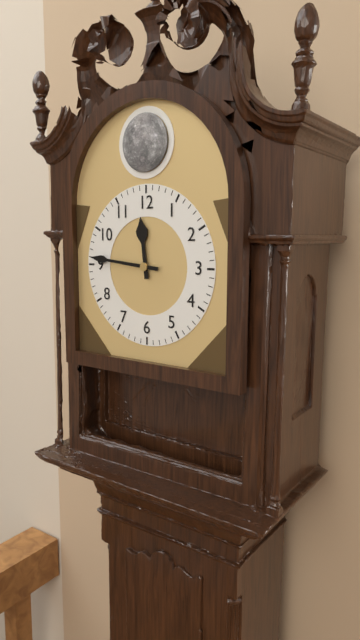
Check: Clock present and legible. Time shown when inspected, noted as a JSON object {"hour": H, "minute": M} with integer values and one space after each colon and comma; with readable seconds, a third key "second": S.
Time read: {"hour": 11, "minute": 46}
